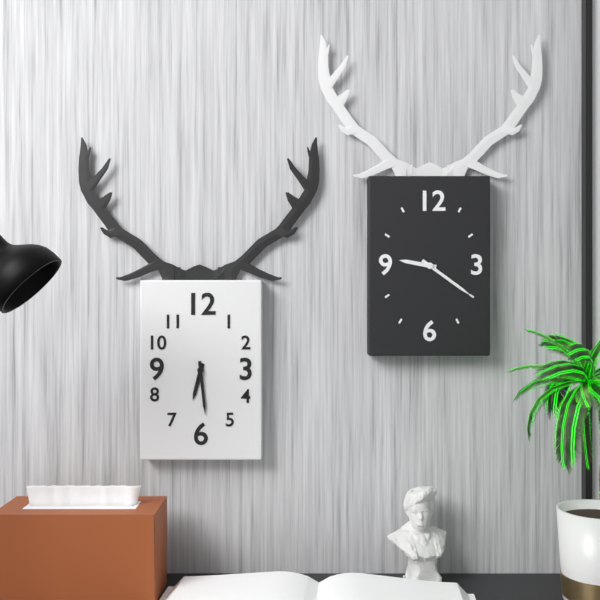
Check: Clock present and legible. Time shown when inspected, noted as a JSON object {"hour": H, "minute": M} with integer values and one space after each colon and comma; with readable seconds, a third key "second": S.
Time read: {"hour": 6, "minute": 29}
